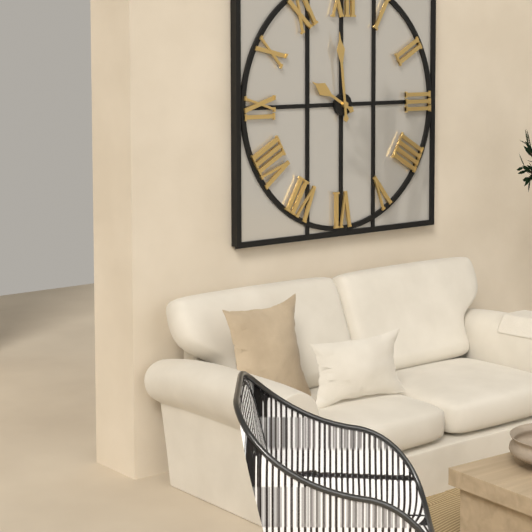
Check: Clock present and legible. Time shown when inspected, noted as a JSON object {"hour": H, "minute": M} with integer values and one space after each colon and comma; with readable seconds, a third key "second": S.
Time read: {"hour": 9, "minute": 59}
